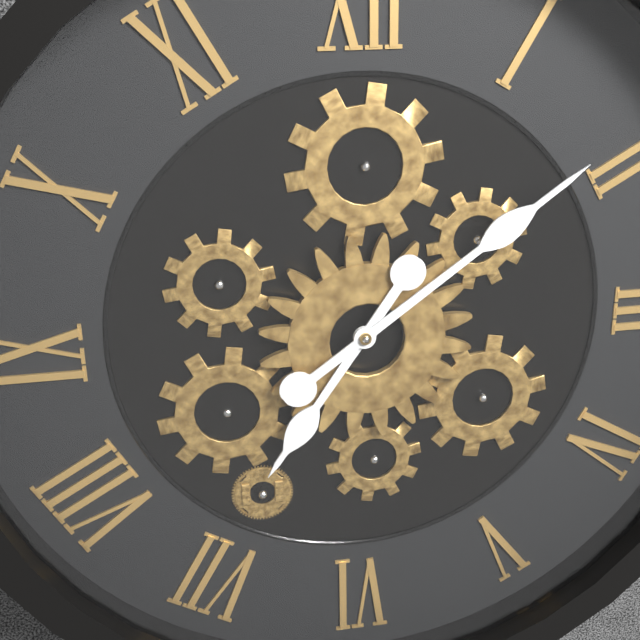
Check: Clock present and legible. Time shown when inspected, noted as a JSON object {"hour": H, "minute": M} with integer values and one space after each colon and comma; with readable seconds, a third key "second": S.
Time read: {"hour": 7, "minute": 9}
